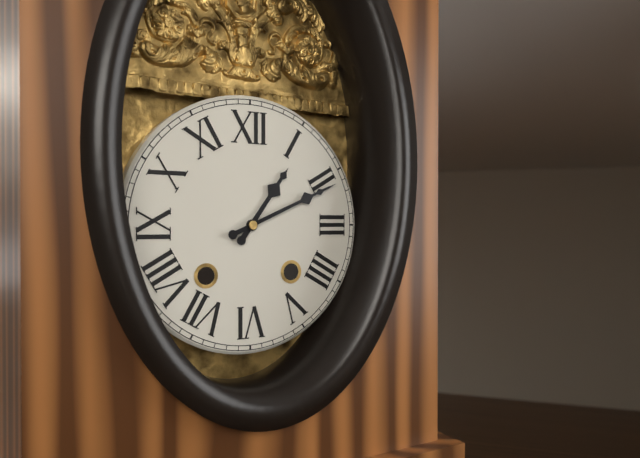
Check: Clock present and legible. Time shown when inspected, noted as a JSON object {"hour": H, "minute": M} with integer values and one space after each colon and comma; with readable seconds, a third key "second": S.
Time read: {"hour": 1, "minute": 11}
